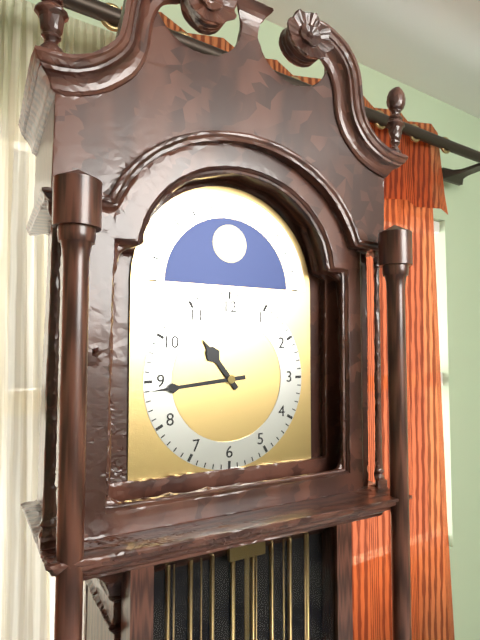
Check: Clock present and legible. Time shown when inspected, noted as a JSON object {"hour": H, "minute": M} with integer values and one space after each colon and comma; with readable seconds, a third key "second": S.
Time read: {"hour": 10, "minute": 44}
